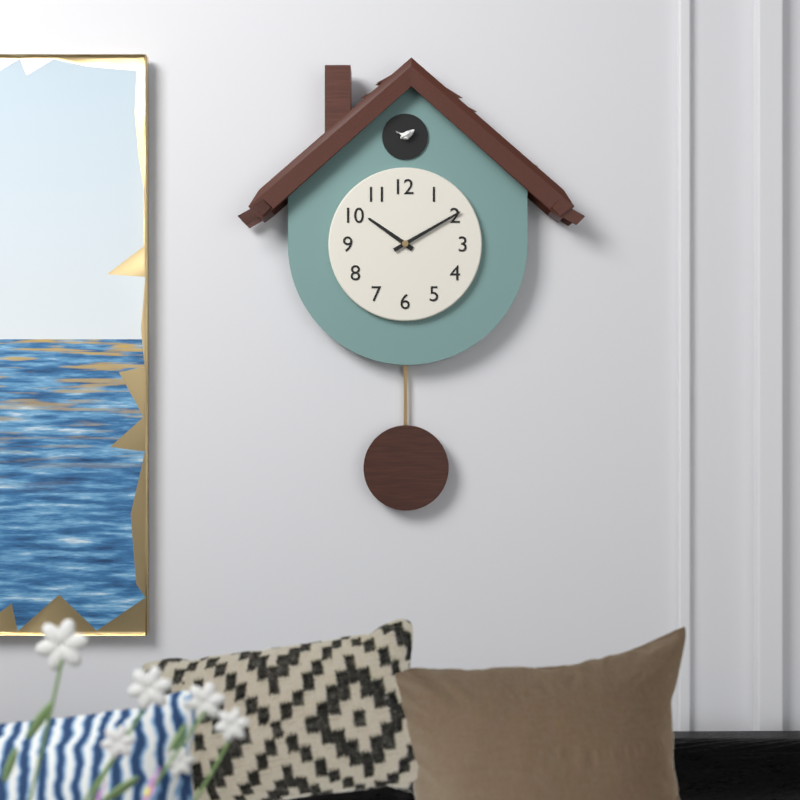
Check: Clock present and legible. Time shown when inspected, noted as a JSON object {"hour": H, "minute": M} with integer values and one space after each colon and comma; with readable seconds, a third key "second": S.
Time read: {"hour": 10, "minute": 10}
